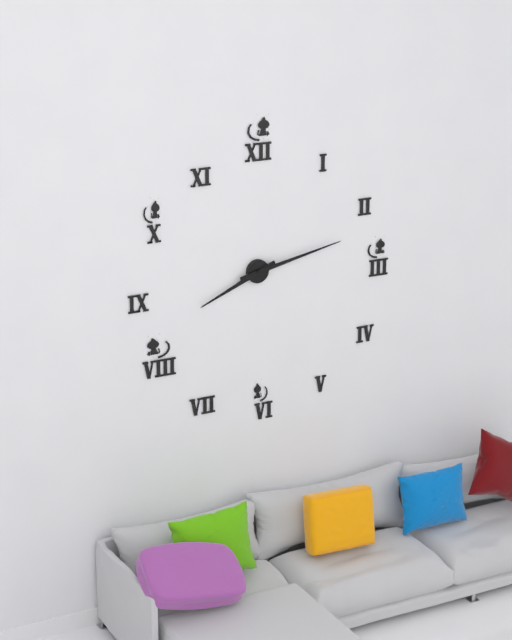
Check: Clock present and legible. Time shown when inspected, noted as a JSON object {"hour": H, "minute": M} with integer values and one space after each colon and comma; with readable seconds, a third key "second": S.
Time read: {"hour": 8, "minute": 13}
